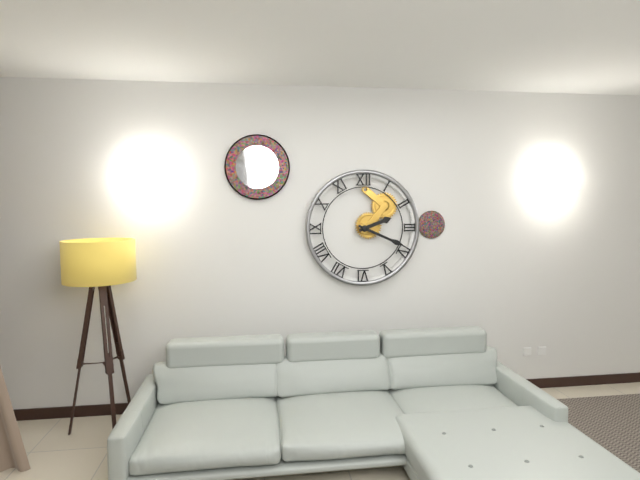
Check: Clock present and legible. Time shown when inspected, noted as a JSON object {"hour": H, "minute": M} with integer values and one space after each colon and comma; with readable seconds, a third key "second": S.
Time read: {"hour": 2, "minute": 19}
